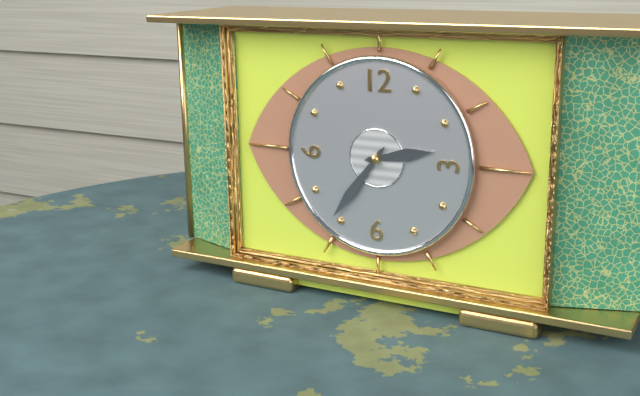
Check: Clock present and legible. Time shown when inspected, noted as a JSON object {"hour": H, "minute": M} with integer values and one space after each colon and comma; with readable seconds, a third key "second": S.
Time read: {"hour": 2, "minute": 36}
